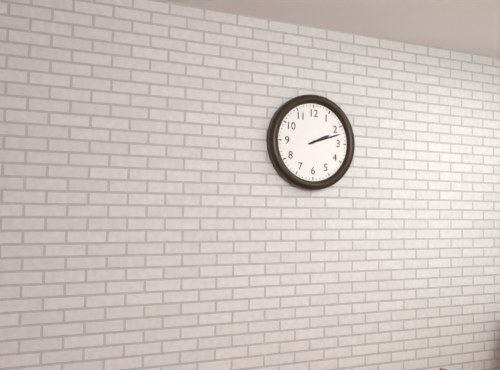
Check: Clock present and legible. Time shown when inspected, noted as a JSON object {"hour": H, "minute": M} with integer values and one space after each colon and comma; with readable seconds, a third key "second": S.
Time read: {"hour": 2, "minute": 12}
